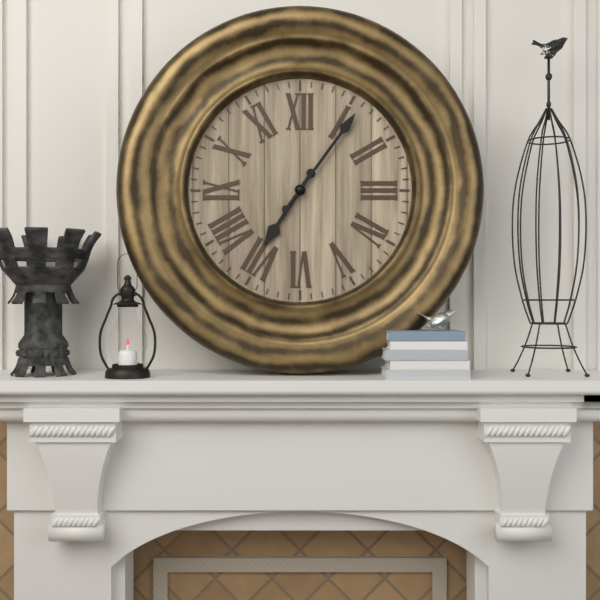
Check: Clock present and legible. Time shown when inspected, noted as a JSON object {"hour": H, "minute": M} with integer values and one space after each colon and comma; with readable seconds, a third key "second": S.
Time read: {"hour": 7, "minute": 6}
